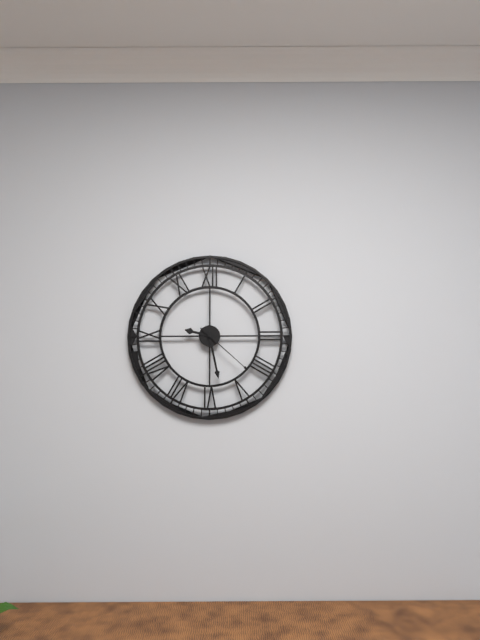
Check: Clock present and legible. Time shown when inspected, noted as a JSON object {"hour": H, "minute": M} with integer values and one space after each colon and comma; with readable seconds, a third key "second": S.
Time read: {"hour": 9, "minute": 28, "second": 22}
